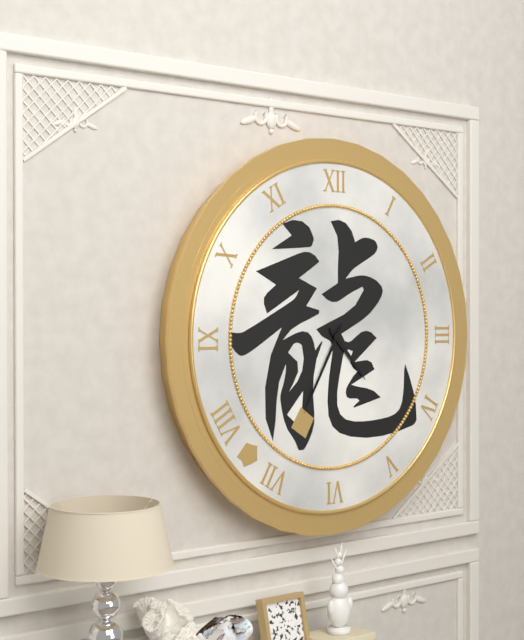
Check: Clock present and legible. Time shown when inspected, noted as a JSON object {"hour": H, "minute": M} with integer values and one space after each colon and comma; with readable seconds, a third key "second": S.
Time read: {"hour": 4, "minute": 35}
